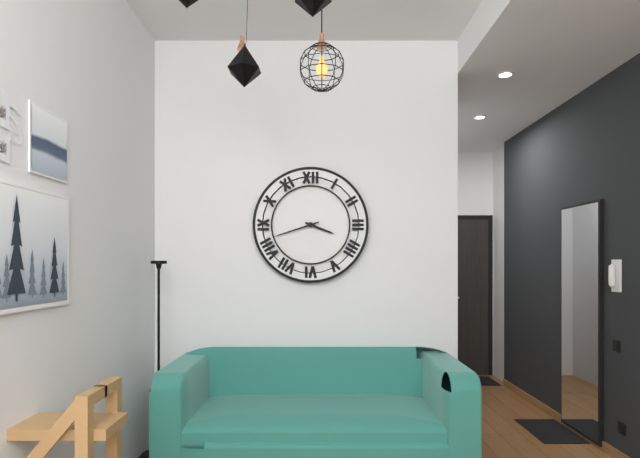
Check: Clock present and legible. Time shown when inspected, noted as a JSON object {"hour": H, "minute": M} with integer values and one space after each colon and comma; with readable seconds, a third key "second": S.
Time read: {"hour": 3, "minute": 42}
